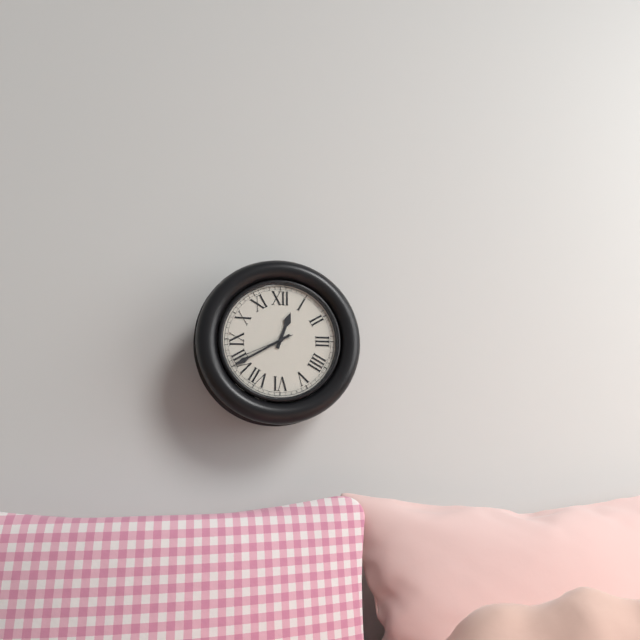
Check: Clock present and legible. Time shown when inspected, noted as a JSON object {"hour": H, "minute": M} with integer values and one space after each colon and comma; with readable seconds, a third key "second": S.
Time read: {"hour": 12, "minute": 40, "second": 41}
